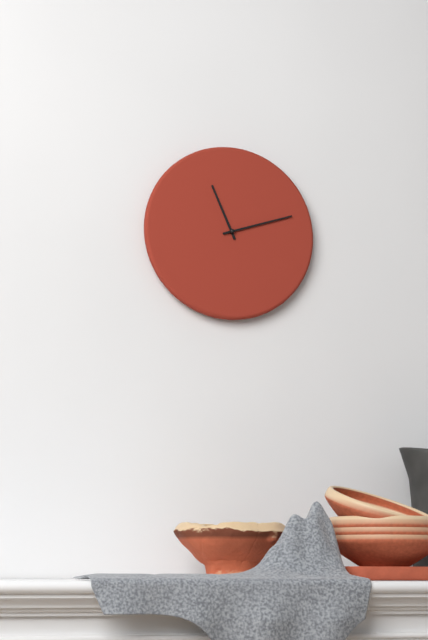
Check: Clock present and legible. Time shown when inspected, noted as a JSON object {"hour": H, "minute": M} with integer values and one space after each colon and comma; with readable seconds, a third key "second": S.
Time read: {"hour": 11, "minute": 12}
